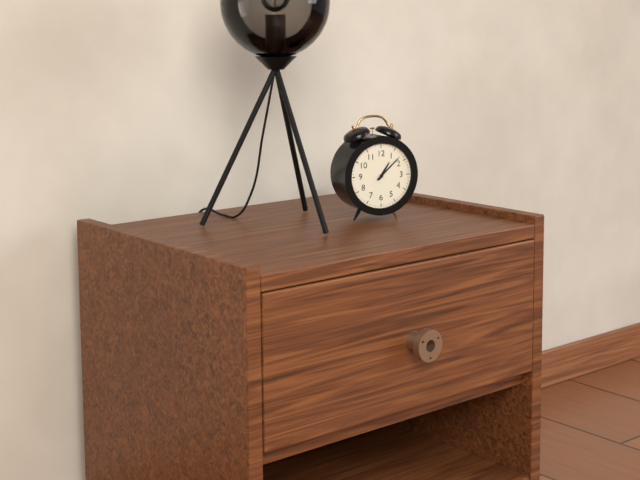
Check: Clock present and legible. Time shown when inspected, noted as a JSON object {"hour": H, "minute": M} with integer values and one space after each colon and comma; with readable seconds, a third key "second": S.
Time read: {"hour": 1, "minute": 8}
